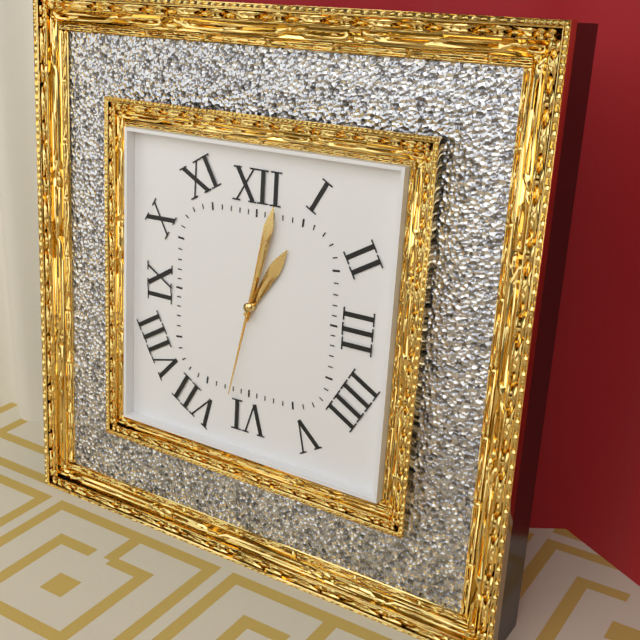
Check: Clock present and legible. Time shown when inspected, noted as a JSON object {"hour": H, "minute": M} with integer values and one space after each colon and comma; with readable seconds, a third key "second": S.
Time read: {"hour": 1, "minute": 2, "second": 32}
